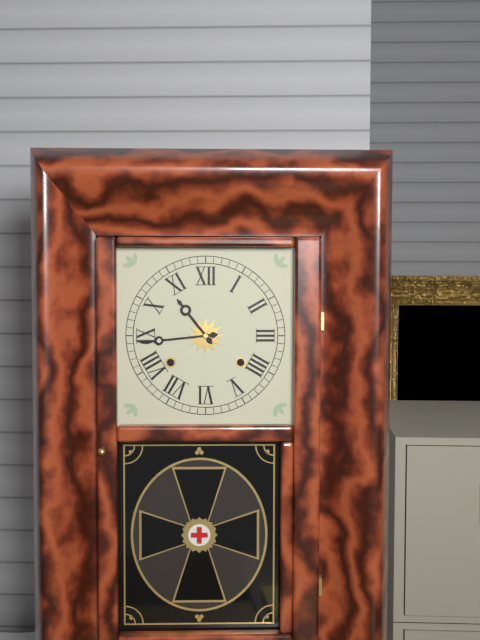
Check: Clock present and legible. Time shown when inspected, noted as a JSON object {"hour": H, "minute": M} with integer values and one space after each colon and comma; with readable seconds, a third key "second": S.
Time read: {"hour": 10, "minute": 44}
